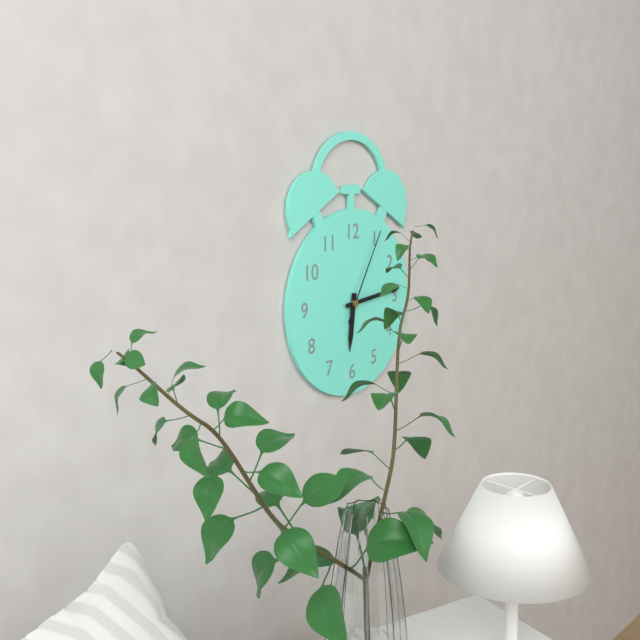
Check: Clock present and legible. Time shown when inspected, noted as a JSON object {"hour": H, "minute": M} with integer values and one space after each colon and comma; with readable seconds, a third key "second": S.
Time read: {"hour": 6, "minute": 14, "second": 5}
